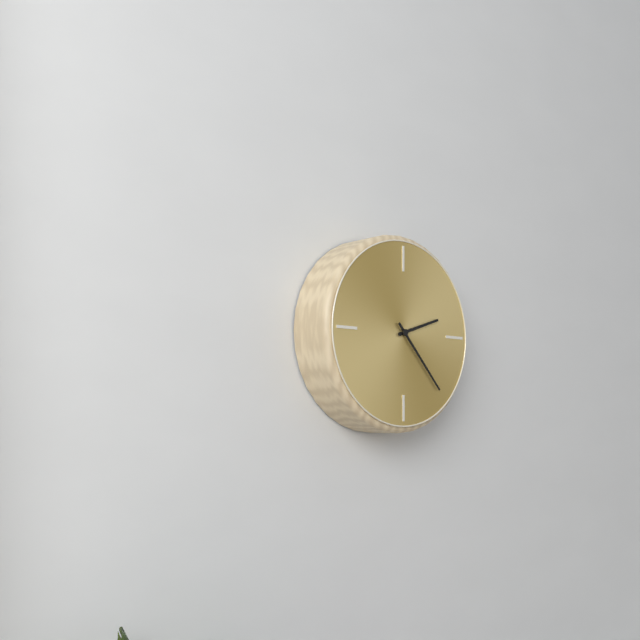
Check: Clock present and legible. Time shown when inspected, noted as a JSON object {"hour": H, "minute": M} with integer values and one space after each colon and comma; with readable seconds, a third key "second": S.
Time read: {"hour": 2, "minute": 23}
